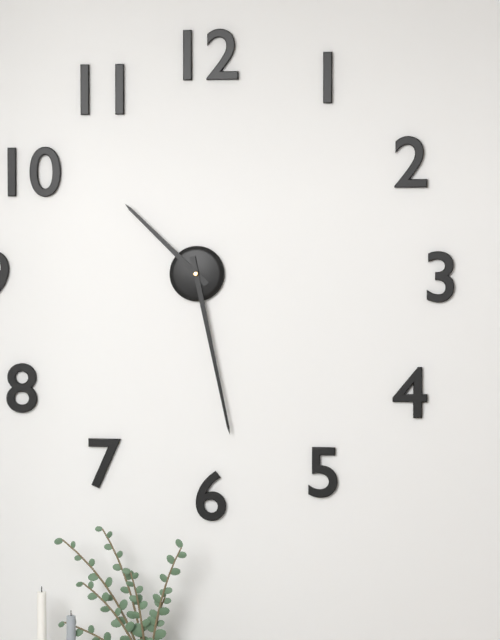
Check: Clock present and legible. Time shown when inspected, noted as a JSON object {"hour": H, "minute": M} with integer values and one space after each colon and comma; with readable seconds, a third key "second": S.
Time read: {"hour": 10, "minute": 28}
